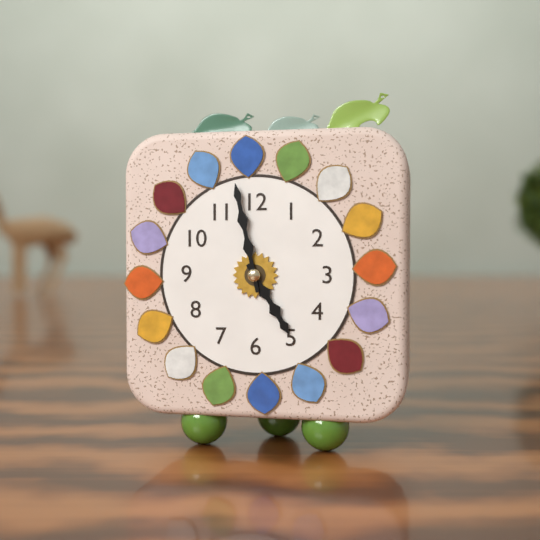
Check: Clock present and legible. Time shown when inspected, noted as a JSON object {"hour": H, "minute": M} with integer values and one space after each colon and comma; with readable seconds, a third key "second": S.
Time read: {"hour": 4, "minute": 58}
